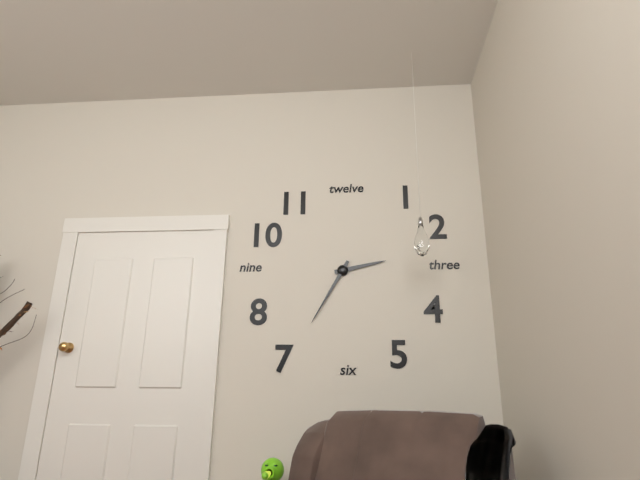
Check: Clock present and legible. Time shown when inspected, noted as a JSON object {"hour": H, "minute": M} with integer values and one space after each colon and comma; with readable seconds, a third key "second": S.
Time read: {"hour": 2, "minute": 35}
